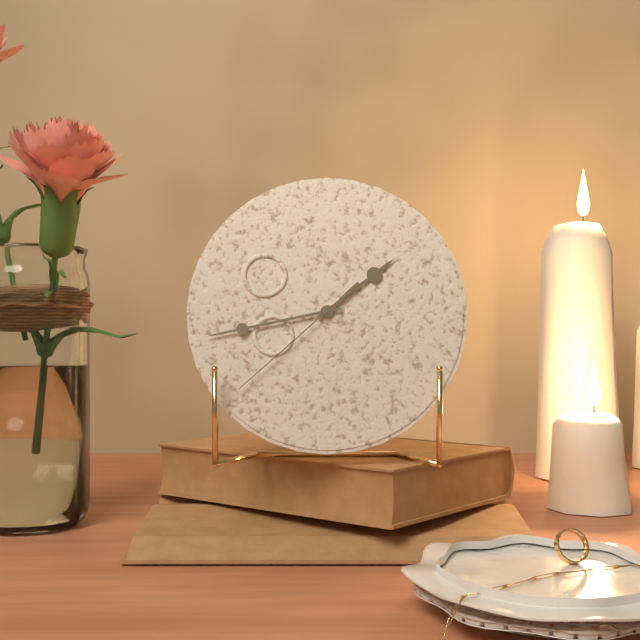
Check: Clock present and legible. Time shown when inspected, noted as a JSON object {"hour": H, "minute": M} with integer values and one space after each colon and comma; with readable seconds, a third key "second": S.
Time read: {"hour": 1, "minute": 43, "second": 38}
